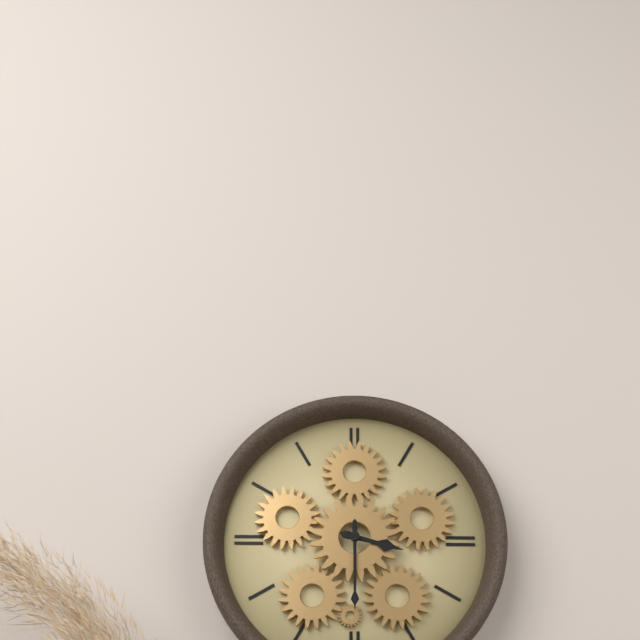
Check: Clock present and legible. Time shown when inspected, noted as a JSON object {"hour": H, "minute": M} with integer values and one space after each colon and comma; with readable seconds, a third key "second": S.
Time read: {"hour": 3, "minute": 30}
